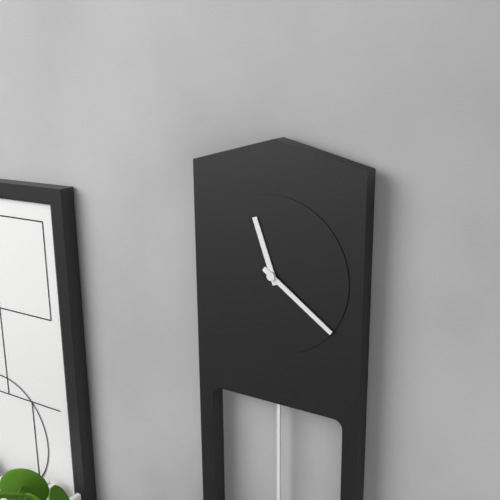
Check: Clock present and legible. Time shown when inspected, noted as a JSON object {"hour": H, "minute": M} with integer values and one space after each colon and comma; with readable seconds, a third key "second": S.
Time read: {"hour": 11, "minute": 21}
